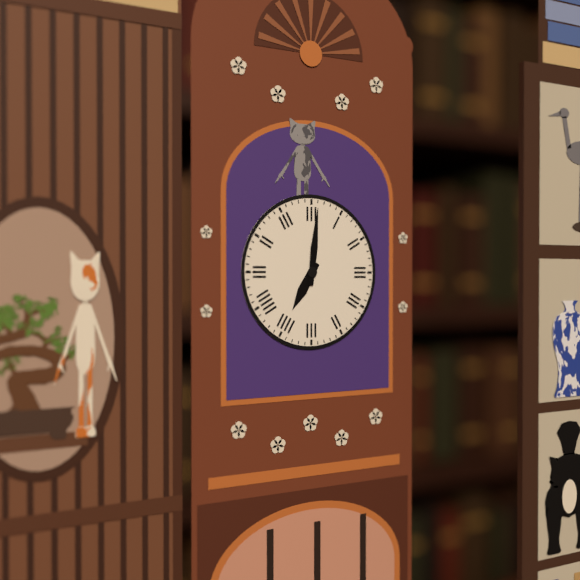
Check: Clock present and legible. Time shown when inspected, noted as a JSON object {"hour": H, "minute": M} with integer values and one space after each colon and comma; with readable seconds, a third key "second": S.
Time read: {"hour": 7, "minute": 1}
